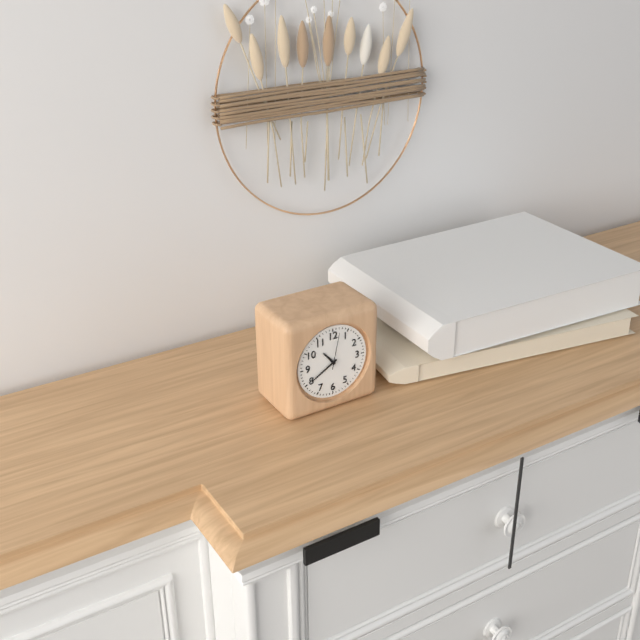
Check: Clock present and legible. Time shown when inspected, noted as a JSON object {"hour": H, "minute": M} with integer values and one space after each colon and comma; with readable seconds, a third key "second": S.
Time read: {"hour": 10, "minute": 40}
